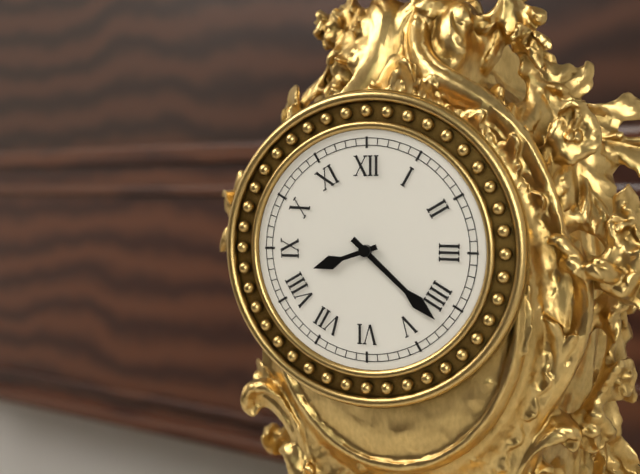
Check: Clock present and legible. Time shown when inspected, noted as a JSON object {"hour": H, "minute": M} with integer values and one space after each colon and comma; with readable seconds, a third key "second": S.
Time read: {"hour": 8, "minute": 22}
